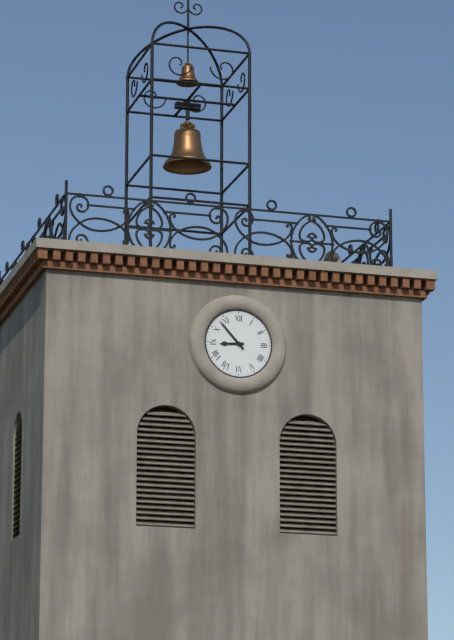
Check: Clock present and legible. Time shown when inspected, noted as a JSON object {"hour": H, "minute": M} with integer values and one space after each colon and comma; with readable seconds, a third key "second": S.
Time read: {"hour": 8, "minute": 53}
